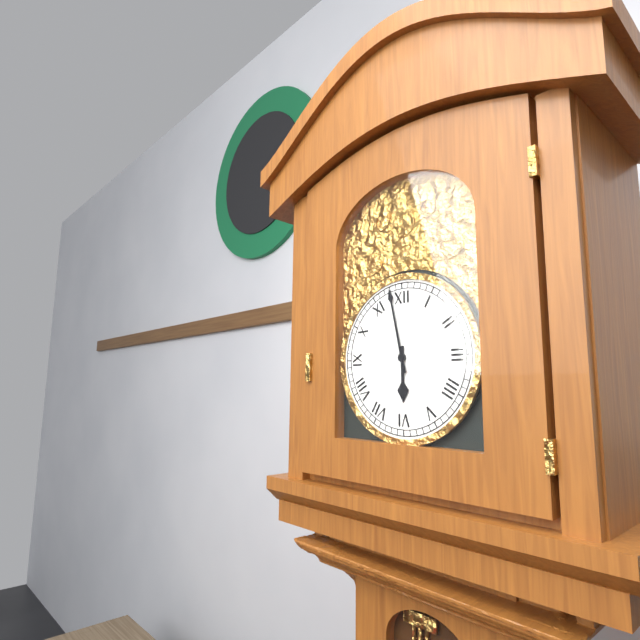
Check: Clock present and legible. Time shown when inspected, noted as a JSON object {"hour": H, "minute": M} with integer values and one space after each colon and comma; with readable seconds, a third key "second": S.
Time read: {"hour": 5, "minute": 58}
